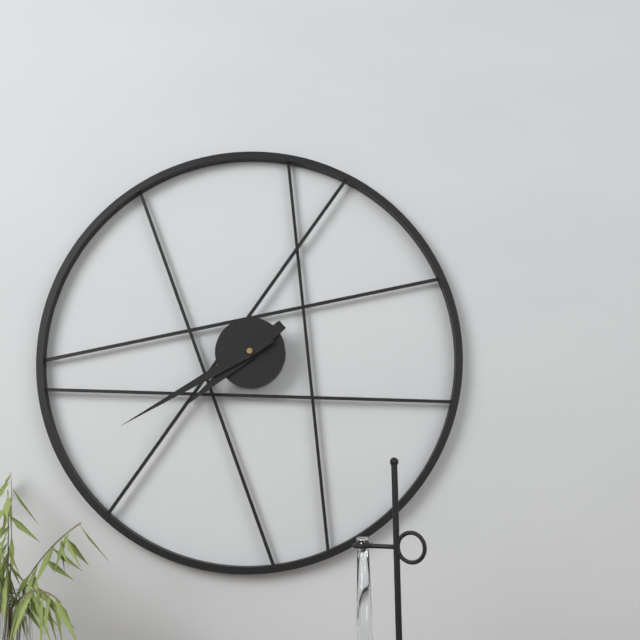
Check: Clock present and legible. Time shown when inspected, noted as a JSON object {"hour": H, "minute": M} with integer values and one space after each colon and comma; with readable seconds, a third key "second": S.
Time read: {"hour": 7, "minute": 40}
